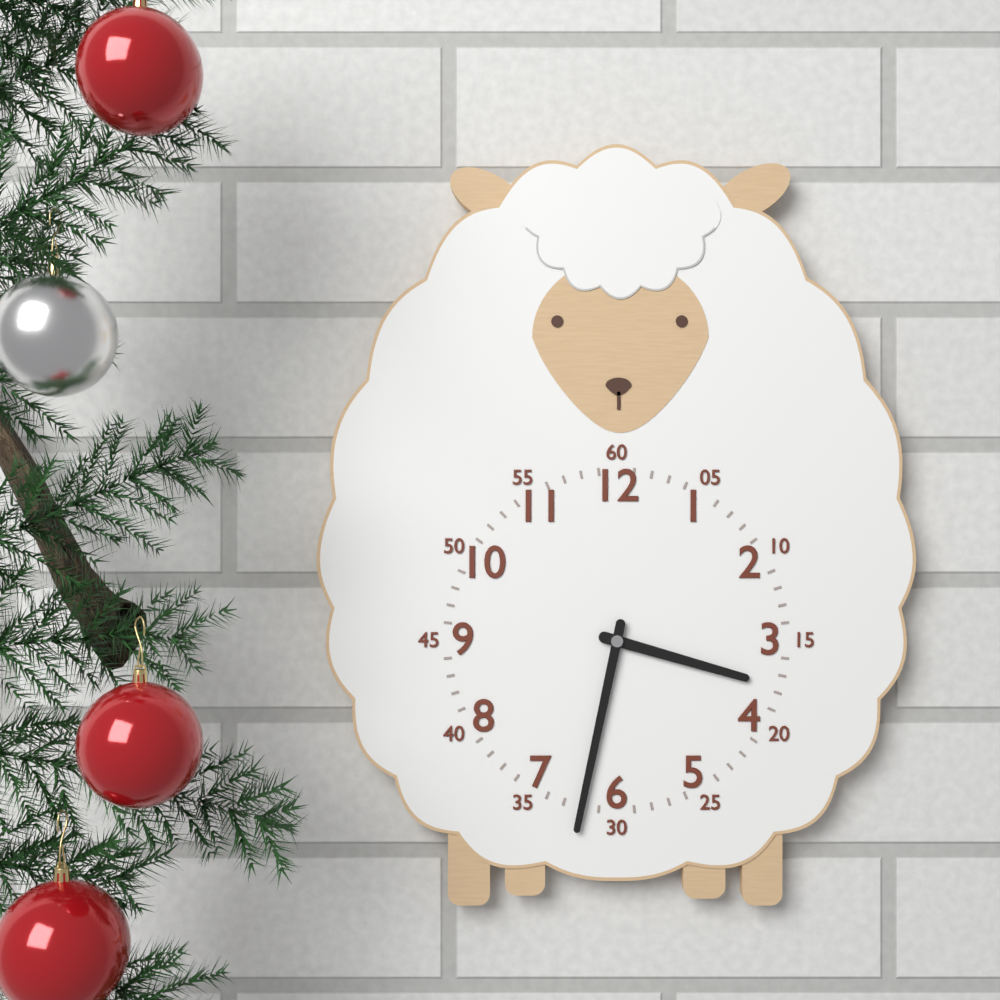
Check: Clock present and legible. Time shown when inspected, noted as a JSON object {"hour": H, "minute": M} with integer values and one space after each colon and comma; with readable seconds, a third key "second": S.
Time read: {"hour": 3, "minute": 32}
